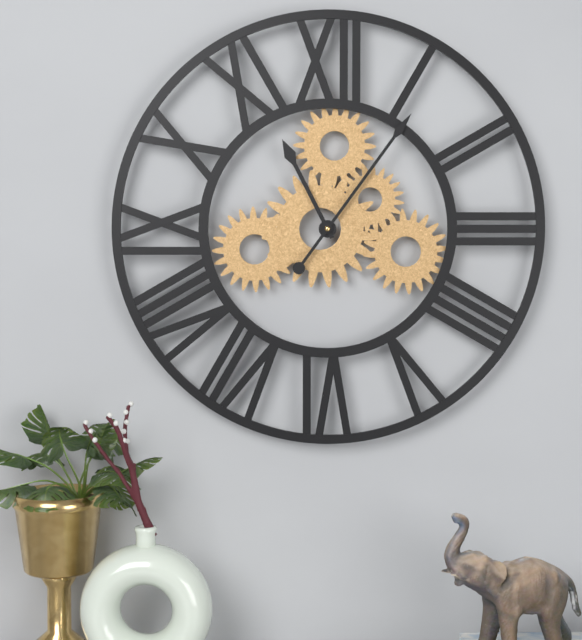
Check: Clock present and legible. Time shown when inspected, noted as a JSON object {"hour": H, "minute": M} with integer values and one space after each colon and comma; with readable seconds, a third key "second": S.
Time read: {"hour": 11, "minute": 6}
